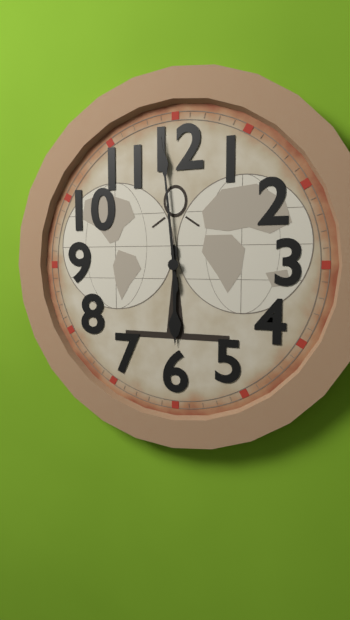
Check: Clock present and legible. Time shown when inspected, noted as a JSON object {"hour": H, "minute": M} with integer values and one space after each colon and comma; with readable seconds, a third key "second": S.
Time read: {"hour": 5, "minute": 59}
